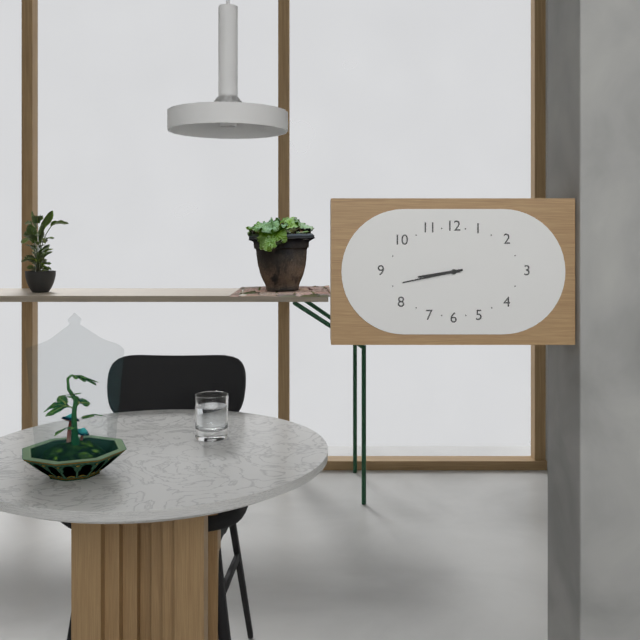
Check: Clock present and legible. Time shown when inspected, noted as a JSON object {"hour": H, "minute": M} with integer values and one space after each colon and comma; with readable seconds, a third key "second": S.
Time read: {"hour": 8, "minute": 43}
